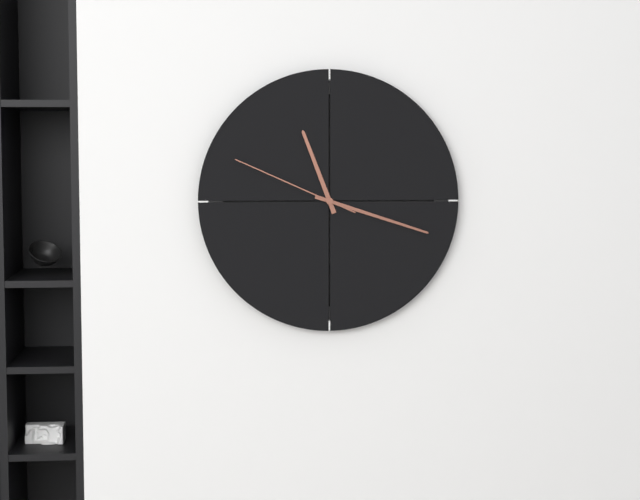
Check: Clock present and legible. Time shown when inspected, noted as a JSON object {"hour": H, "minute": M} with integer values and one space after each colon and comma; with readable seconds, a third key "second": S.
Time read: {"hour": 11, "minute": 18, "second": 49}
